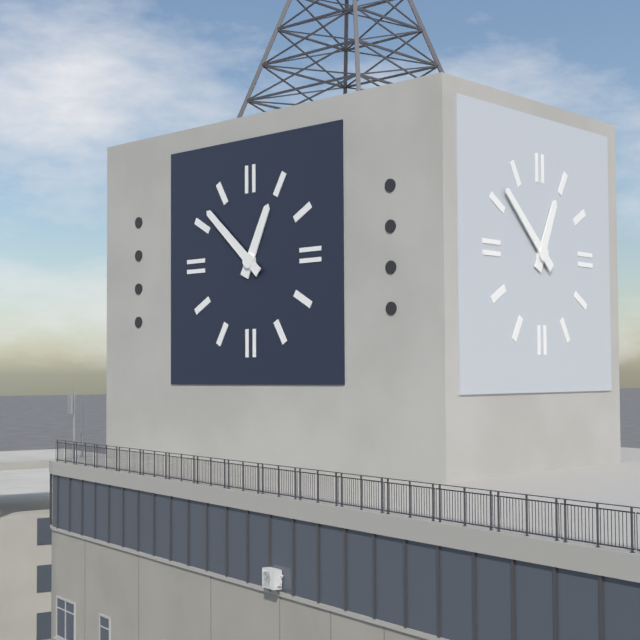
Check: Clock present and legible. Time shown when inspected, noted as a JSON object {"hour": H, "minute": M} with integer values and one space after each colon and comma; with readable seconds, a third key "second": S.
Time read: {"hour": 12, "minute": 52}
